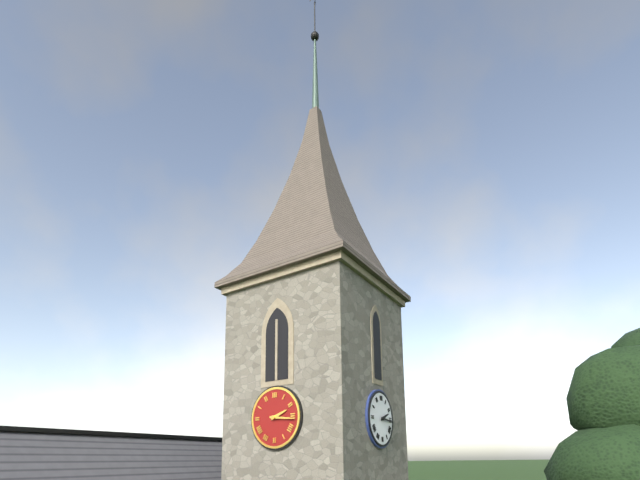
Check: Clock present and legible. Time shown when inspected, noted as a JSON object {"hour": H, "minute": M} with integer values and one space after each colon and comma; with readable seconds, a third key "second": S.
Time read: {"hour": 2, "minute": 16}
